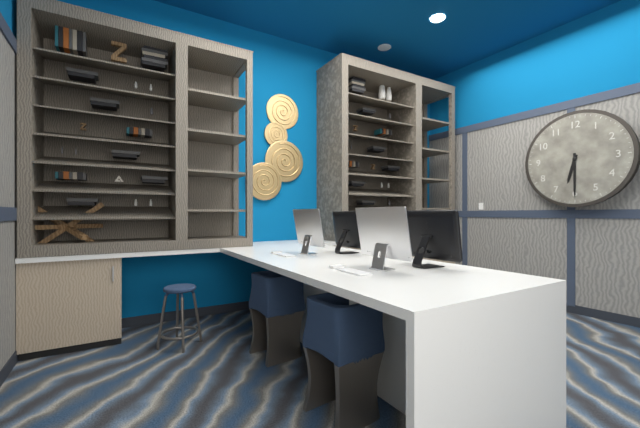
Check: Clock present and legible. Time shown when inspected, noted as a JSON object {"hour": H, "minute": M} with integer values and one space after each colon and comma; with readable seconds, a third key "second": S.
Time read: {"hour": 6, "minute": 30}
